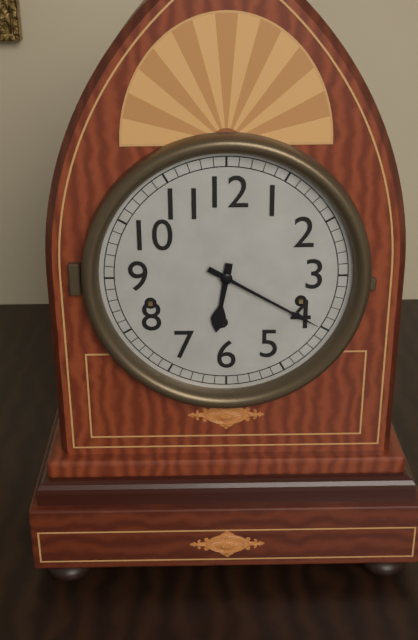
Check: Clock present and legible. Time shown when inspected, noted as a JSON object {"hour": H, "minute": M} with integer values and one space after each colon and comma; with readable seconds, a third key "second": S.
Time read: {"hour": 6, "minute": 20}
